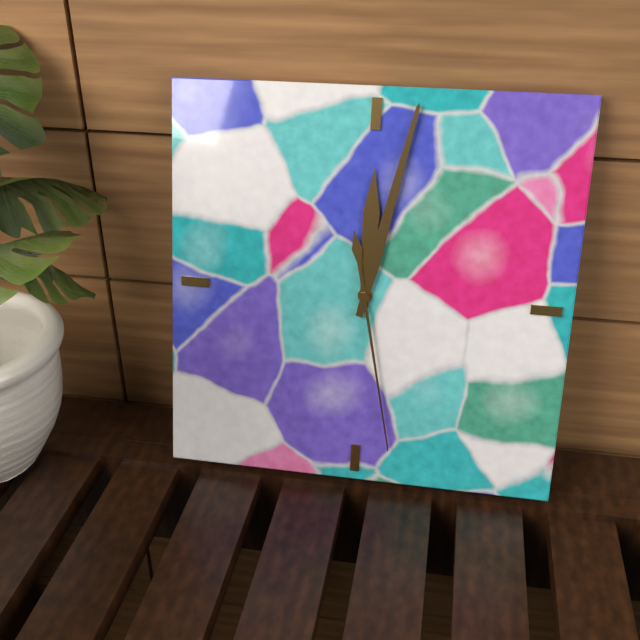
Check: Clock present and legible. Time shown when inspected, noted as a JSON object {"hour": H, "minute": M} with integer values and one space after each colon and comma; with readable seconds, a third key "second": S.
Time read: {"hour": 12, "minute": 2, "second": 28}
